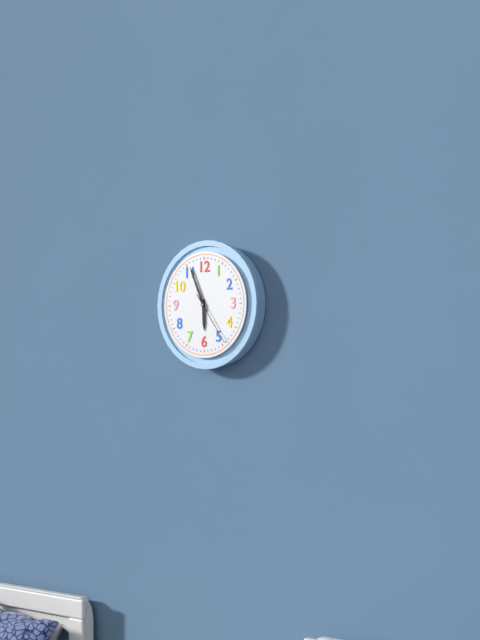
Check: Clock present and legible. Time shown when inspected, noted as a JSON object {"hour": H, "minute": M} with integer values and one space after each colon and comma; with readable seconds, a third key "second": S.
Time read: {"hour": 5, "minute": 56, "second": 24}
